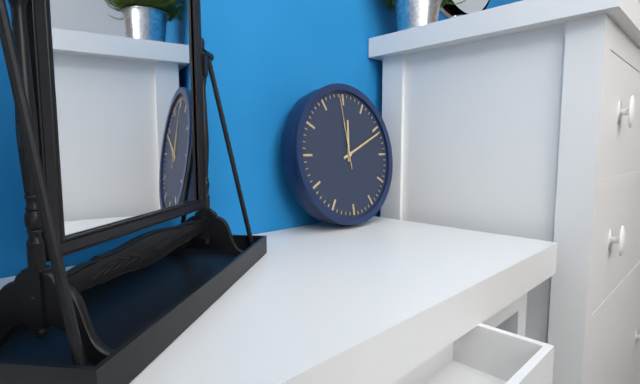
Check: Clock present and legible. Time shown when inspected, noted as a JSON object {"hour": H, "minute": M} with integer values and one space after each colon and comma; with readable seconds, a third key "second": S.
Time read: {"hour": 12, "minute": 11, "second": 59}
